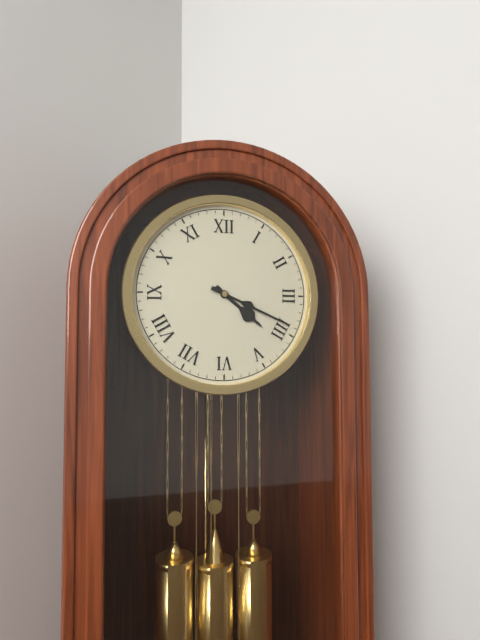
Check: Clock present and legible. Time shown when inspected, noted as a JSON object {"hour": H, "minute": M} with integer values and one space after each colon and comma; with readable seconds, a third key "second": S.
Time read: {"hour": 4, "minute": 19}
